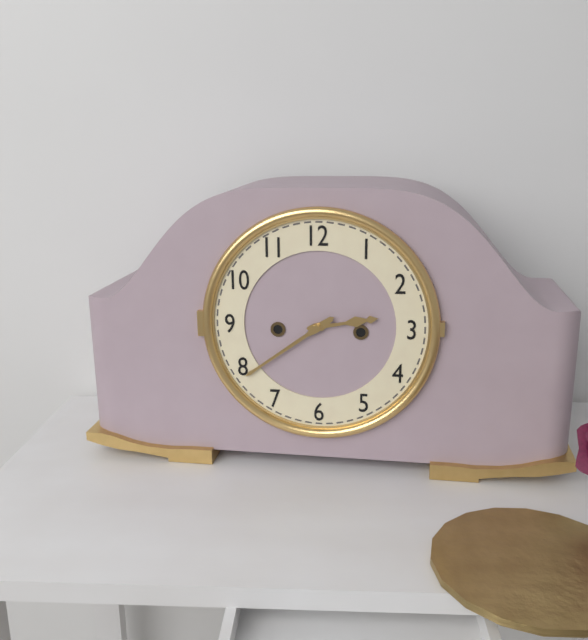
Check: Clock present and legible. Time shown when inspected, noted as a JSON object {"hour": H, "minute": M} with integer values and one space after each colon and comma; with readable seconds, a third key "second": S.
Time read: {"hour": 2, "minute": 39}
